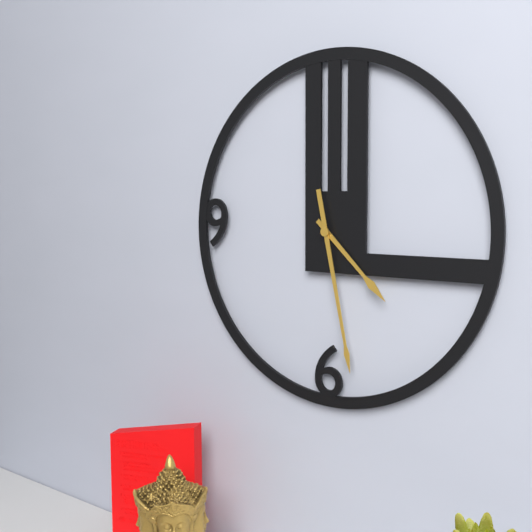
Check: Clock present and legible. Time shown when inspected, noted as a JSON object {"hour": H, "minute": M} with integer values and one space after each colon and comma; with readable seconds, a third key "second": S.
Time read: {"hour": 4, "minute": 28}
